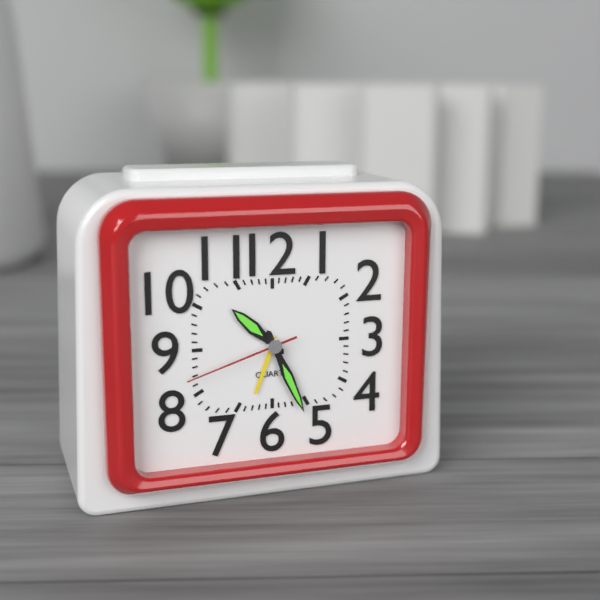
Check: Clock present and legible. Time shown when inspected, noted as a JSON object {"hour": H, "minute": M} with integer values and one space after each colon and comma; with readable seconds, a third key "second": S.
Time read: {"hour": 10, "minute": 26, "second": 42}
